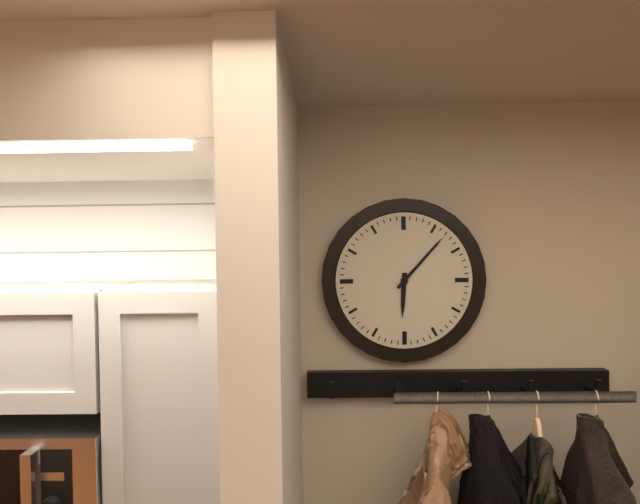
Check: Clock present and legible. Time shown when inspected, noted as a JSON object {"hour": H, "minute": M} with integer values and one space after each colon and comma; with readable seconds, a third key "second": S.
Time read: {"hour": 6, "minute": 7}
